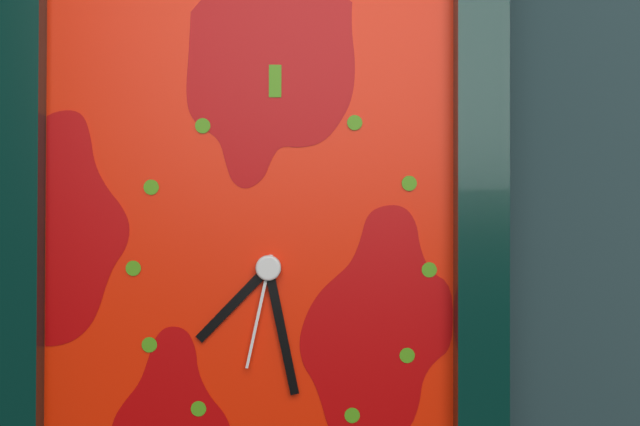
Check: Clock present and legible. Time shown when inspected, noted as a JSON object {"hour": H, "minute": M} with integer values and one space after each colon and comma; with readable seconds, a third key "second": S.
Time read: {"hour": 7, "minute": 28, "second": 32}
